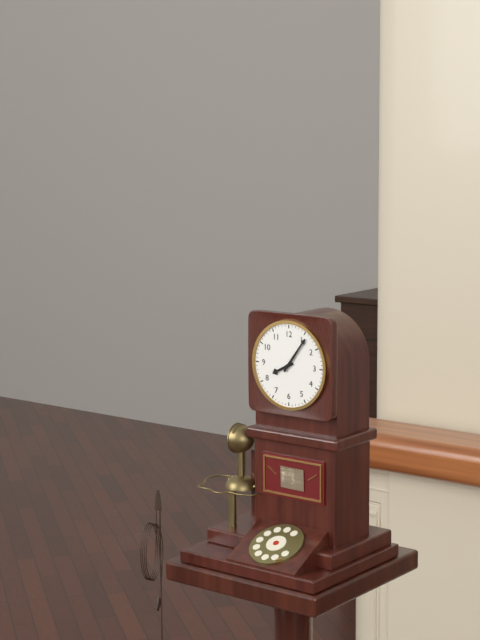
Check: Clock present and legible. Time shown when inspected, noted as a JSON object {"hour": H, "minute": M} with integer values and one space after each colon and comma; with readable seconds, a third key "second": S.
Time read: {"hour": 8, "minute": 6}
